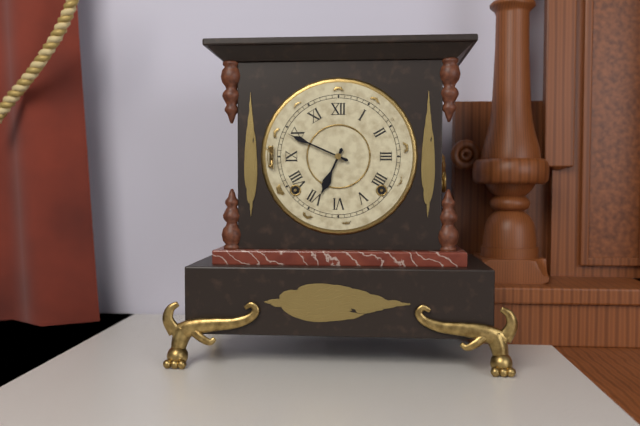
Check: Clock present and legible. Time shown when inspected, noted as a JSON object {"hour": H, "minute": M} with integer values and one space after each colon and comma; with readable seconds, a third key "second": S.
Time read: {"hour": 6, "minute": 49}
